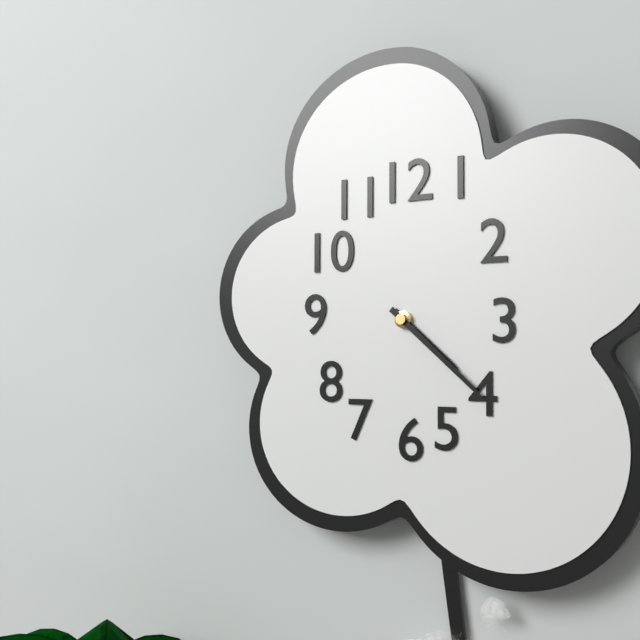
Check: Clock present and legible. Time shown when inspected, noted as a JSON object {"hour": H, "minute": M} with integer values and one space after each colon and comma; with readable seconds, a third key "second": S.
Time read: {"hour": 4, "minute": 22}
